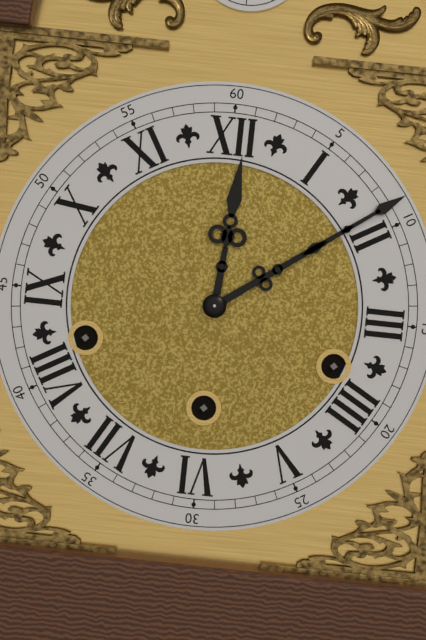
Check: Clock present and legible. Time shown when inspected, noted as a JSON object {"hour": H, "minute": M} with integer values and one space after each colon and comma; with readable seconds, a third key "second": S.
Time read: {"hour": 12, "minute": 9}
